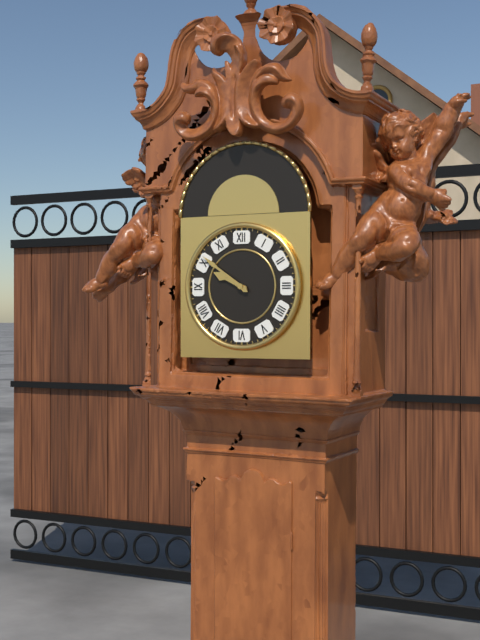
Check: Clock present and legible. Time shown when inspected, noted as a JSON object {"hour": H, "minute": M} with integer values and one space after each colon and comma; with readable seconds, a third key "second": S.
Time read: {"hour": 9, "minute": 51}
